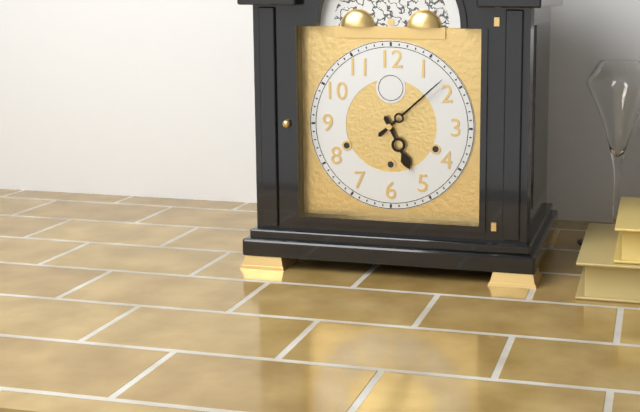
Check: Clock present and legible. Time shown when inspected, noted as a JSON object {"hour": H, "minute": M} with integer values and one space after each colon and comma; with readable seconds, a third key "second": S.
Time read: {"hour": 5, "minute": 8}
